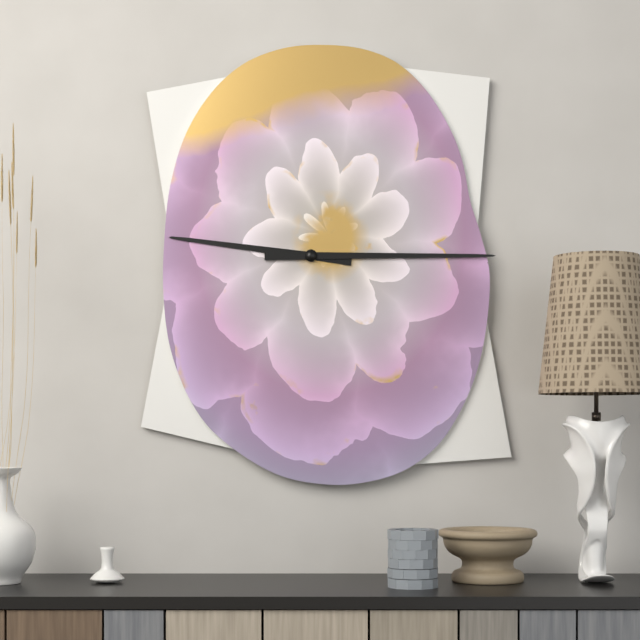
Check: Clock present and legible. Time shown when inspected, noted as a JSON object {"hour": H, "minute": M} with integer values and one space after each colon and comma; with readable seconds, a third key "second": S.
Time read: {"hour": 9, "minute": 15}
